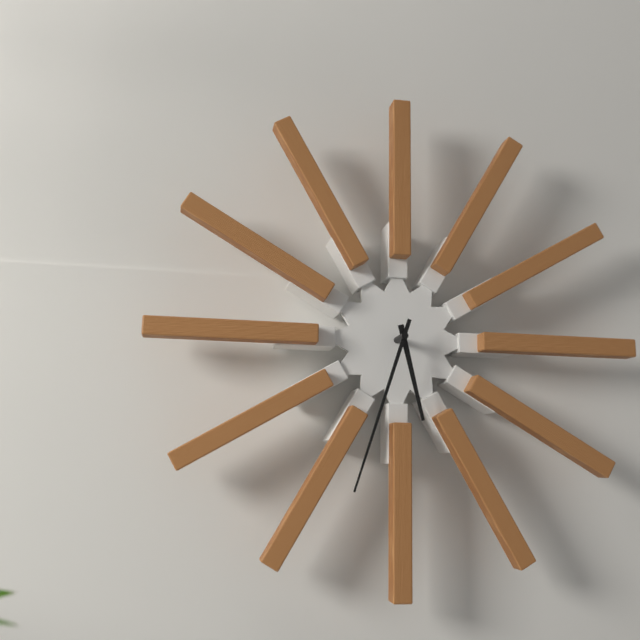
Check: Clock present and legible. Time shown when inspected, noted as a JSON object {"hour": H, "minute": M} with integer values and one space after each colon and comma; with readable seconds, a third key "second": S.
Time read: {"hour": 5, "minute": 33}
